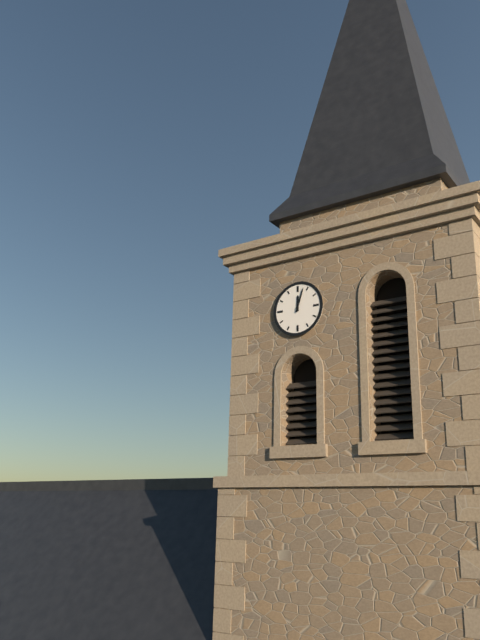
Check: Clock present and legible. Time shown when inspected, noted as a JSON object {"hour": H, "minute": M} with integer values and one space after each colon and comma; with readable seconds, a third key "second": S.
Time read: {"hour": 12, "minute": 3}
